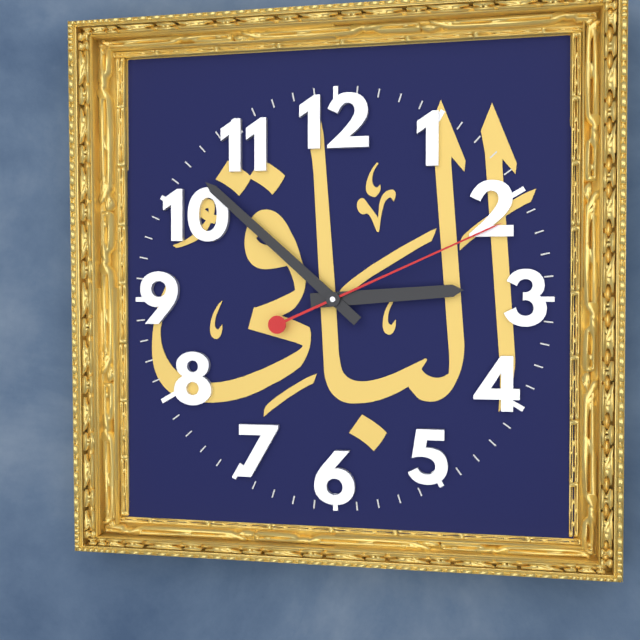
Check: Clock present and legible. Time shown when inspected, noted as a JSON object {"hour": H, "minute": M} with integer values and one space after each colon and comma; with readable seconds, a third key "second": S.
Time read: {"hour": 2, "minute": 52, "second": 11}
